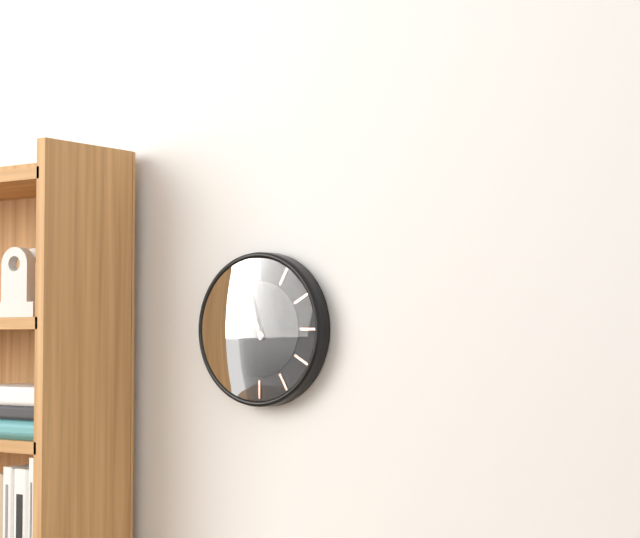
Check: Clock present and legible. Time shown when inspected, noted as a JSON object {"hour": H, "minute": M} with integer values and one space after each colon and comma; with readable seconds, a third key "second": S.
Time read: {"hour": 10, "minute": 57}
